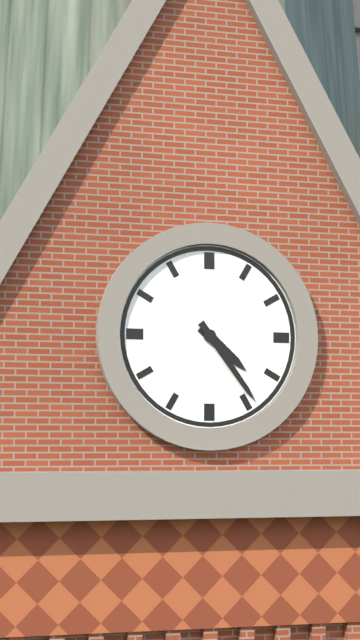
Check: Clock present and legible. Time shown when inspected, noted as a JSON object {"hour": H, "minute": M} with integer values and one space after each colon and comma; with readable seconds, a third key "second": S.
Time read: {"hour": 4, "minute": 24}
